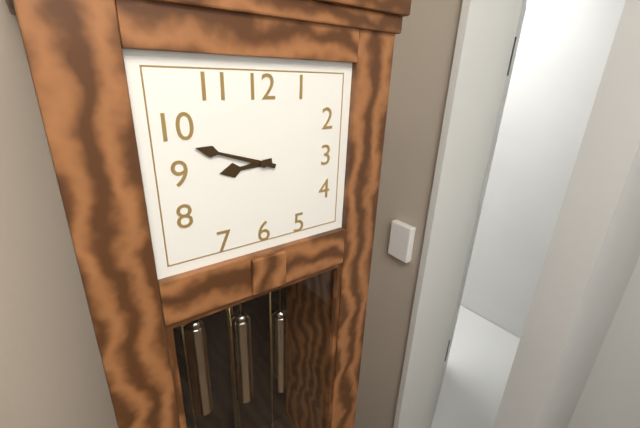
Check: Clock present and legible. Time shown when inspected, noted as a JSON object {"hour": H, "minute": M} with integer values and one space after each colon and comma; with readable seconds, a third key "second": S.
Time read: {"hour": 8, "minute": 48}
